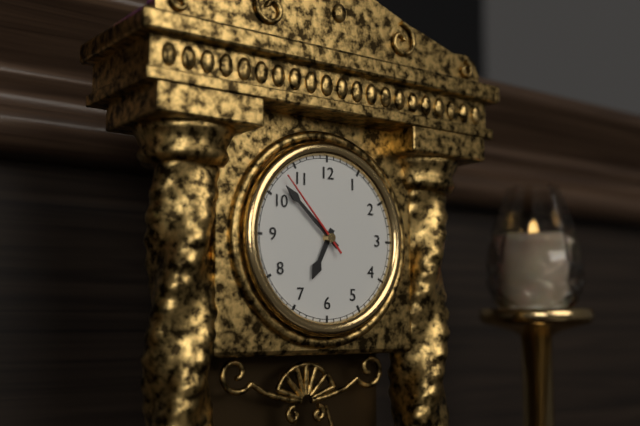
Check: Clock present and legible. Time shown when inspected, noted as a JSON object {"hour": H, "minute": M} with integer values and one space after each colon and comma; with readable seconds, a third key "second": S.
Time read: {"hour": 6, "minute": 52, "second": 53}
